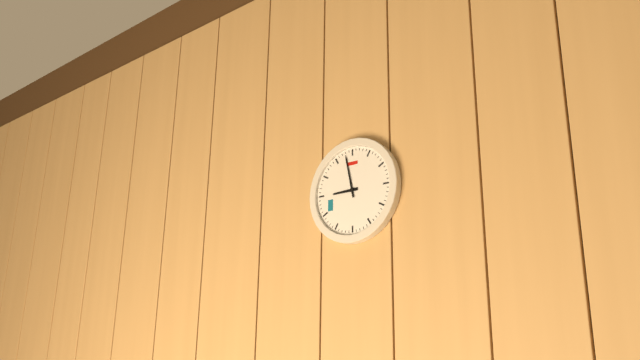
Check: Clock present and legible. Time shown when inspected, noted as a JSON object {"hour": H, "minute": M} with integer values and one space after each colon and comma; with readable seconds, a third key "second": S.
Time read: {"hour": 8, "minute": 58}
